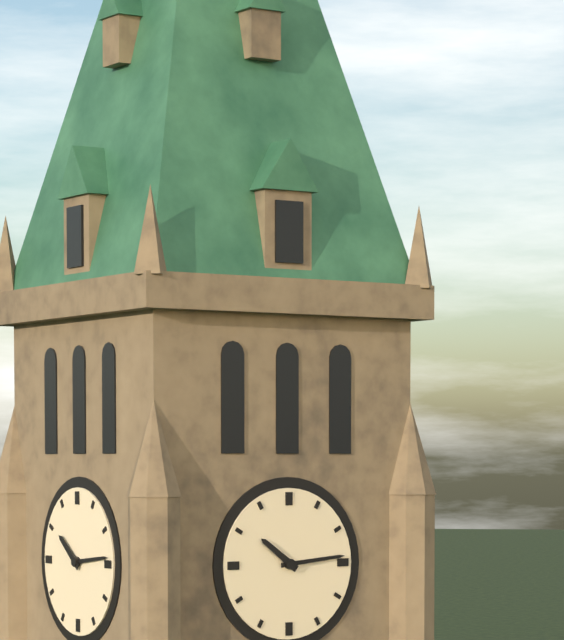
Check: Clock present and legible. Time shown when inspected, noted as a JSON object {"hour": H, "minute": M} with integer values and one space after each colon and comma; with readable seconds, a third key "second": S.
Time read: {"hour": 10, "minute": 14}
